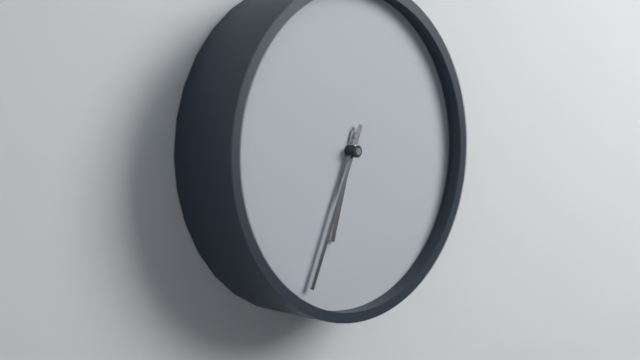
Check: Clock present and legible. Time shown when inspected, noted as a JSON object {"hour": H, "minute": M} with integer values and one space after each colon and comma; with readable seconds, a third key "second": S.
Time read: {"hour": 6, "minute": 34}
